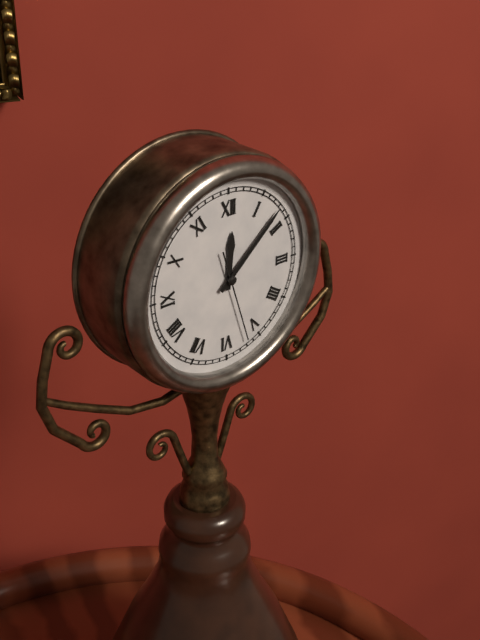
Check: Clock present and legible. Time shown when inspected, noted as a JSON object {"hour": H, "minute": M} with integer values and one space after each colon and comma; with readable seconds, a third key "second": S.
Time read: {"hour": 12, "minute": 8, "second": 27}
